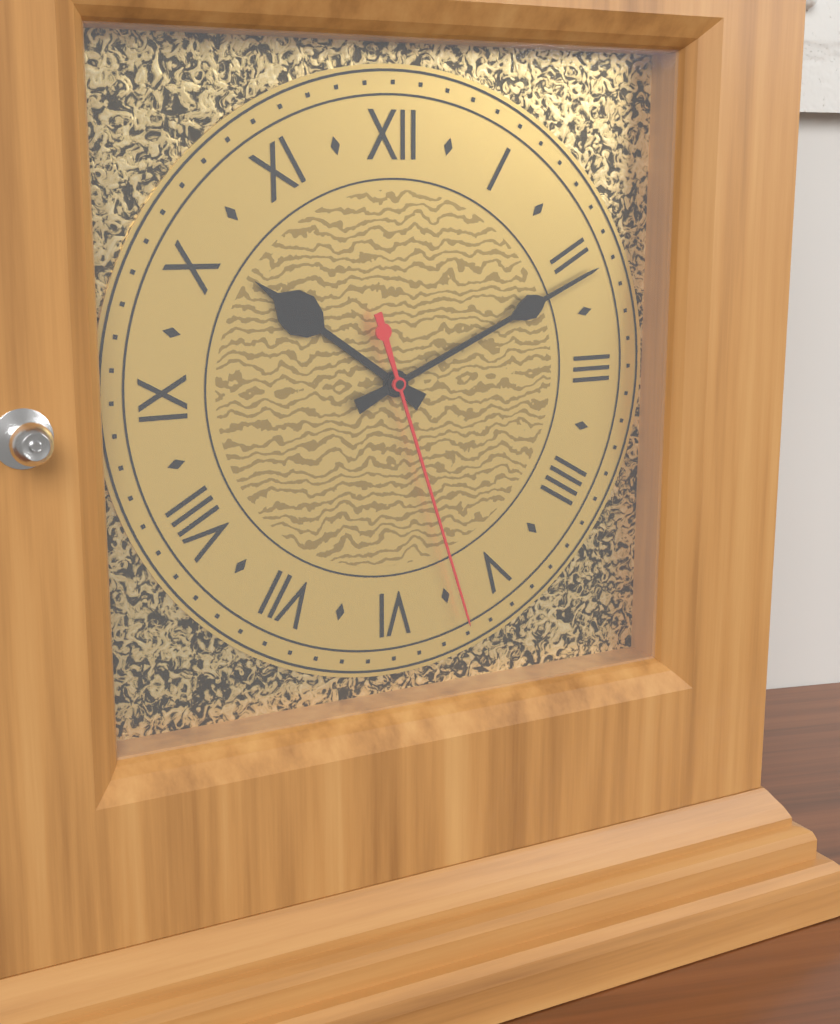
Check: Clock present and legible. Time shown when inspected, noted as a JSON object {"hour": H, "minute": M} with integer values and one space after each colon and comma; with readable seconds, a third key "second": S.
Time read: {"hour": 10, "minute": 11, "second": 27}
